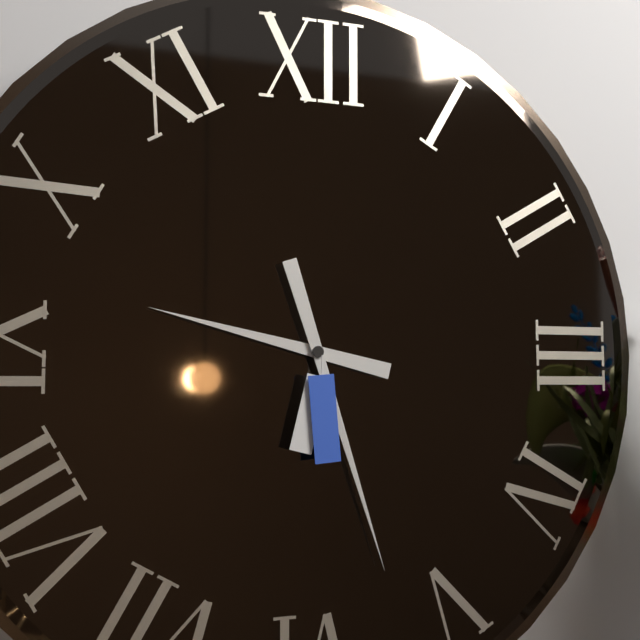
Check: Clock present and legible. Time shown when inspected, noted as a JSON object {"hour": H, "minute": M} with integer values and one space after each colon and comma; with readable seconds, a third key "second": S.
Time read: {"hour": 9, "minute": 27}
